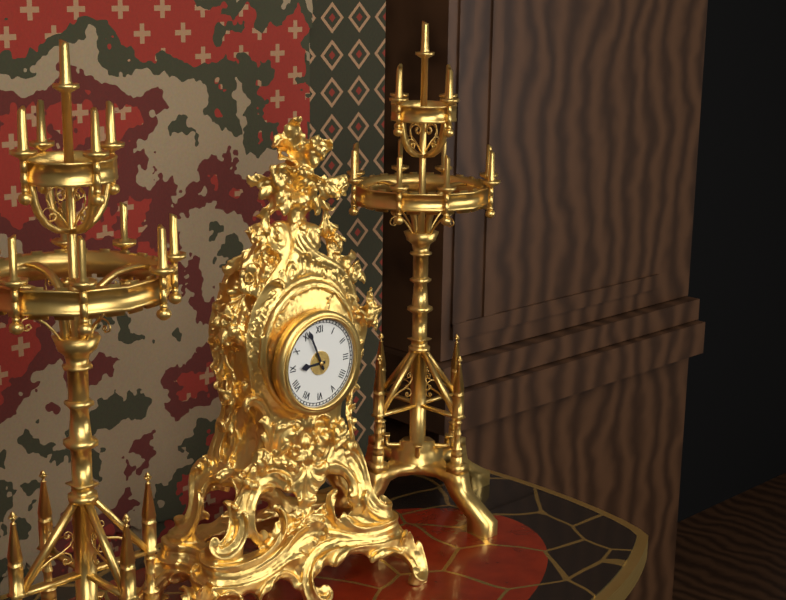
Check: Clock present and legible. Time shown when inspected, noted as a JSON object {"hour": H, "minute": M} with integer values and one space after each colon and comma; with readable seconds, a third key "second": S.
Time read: {"hour": 8, "minute": 56}
